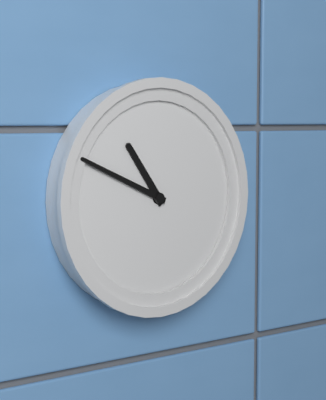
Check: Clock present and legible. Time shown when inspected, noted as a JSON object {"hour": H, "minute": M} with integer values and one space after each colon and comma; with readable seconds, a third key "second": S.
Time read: {"hour": 10, "minute": 49}
